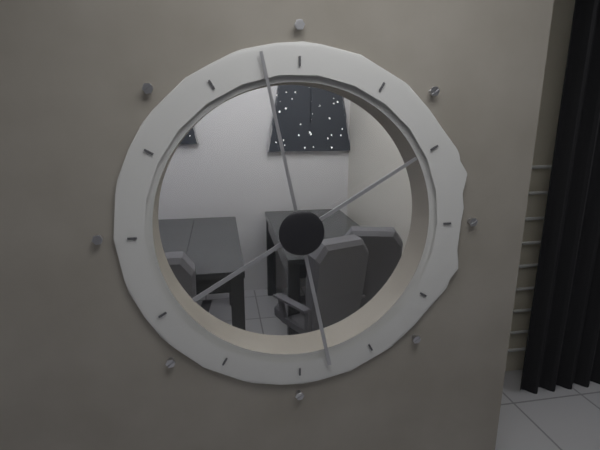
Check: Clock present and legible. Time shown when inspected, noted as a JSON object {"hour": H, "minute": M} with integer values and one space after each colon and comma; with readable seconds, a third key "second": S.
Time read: {"hour": 1, "minute": 58}
